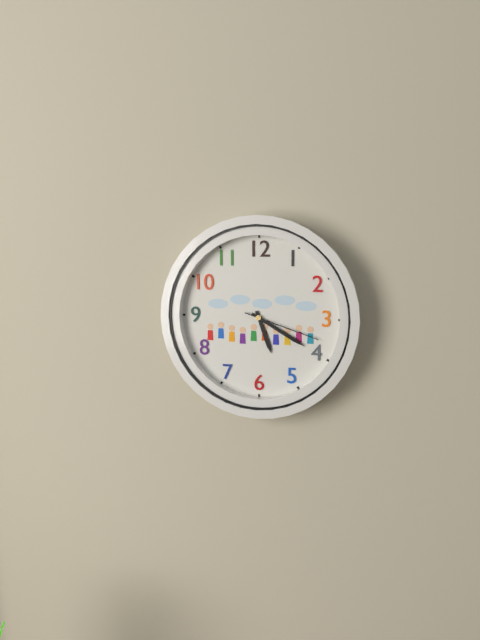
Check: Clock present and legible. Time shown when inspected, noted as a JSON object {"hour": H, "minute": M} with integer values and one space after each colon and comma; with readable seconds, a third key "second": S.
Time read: {"hour": 5, "minute": 20, "second": 18}
